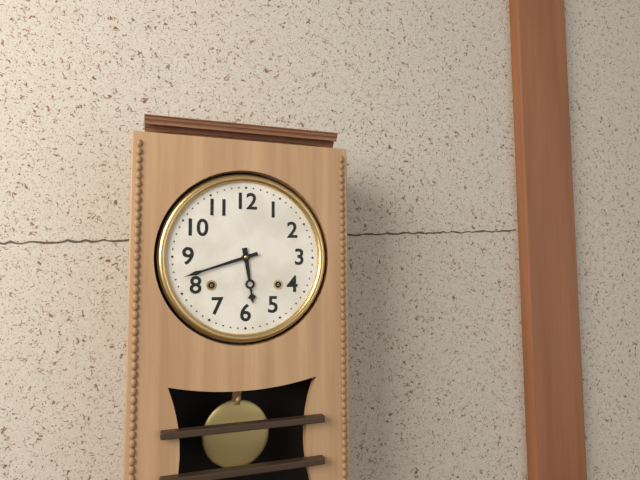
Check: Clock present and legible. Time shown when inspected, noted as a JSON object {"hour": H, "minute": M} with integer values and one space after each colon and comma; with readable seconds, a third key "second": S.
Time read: {"hour": 5, "minute": 42}
